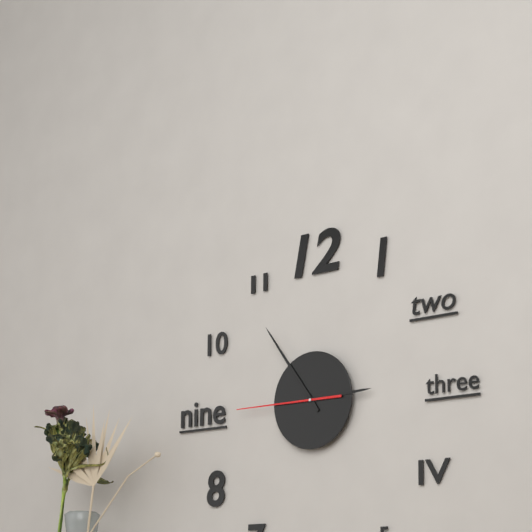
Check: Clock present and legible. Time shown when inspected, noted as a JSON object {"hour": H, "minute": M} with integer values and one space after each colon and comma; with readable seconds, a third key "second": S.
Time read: {"hour": 2, "minute": 54, "second": 45}
